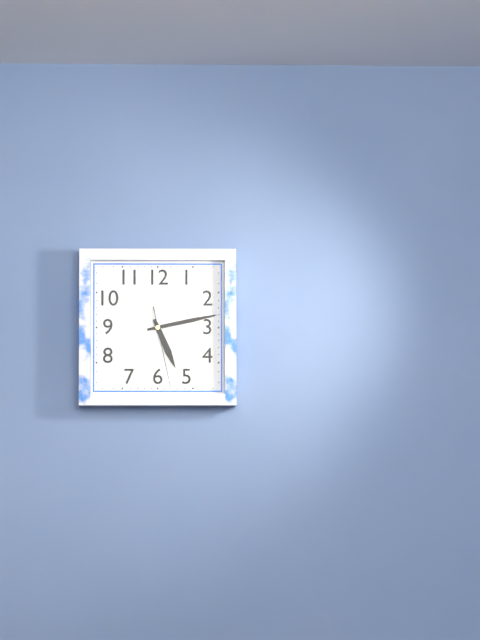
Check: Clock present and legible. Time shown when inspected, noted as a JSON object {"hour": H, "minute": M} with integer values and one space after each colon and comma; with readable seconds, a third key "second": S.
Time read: {"hour": 5, "minute": 13, "second": 28}
